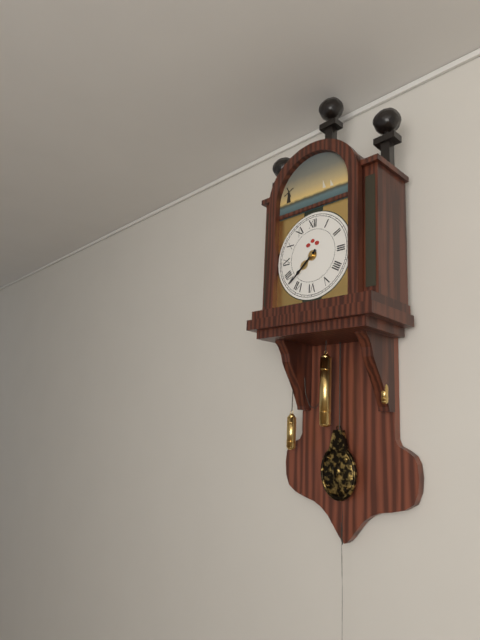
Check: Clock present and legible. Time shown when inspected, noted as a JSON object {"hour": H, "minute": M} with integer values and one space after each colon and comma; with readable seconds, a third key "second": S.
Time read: {"hour": 7, "minute": 38}
